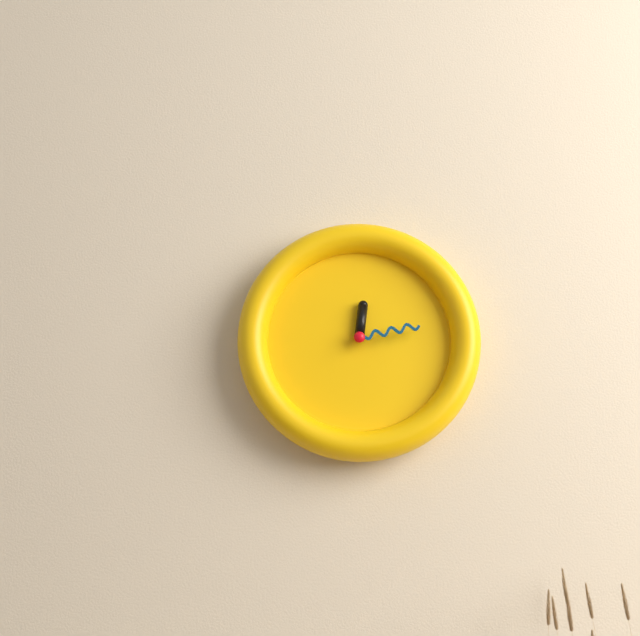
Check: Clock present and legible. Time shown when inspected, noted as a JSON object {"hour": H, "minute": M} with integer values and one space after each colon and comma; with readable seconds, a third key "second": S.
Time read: {"hour": 12, "minute": 13}
